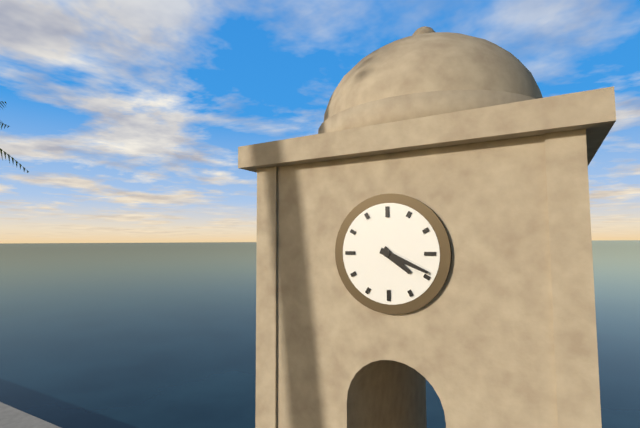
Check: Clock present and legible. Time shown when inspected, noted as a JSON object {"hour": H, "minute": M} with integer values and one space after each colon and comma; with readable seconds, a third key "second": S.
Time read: {"hour": 4, "minute": 19}
